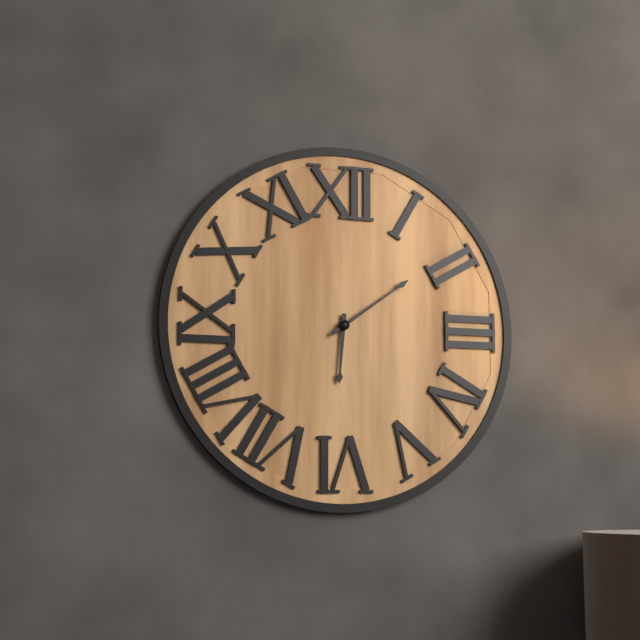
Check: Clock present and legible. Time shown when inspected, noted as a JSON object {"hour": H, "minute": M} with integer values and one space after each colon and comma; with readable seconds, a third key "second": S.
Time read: {"hour": 6, "minute": 9}
